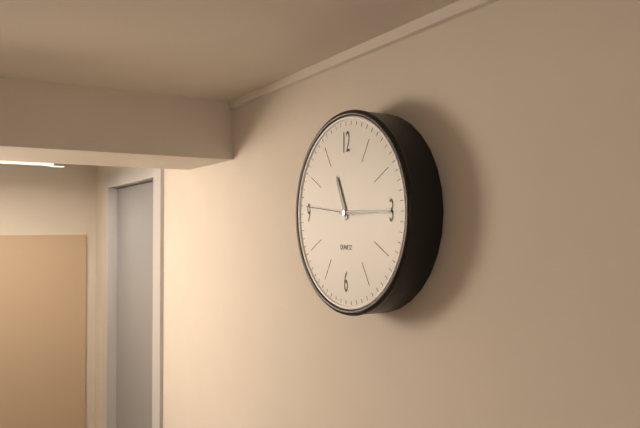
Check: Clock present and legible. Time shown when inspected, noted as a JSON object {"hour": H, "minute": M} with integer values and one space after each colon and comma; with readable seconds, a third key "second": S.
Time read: {"hour": 11, "minute": 15, "second": 46}
